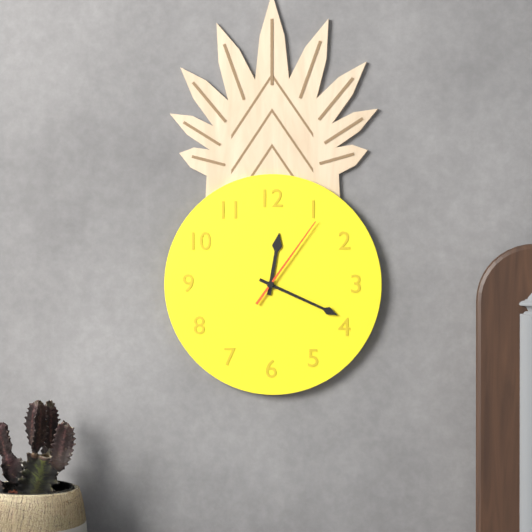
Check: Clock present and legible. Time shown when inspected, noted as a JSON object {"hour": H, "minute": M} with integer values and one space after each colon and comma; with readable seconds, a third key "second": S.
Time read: {"hour": 12, "minute": 19, "second": 6}
